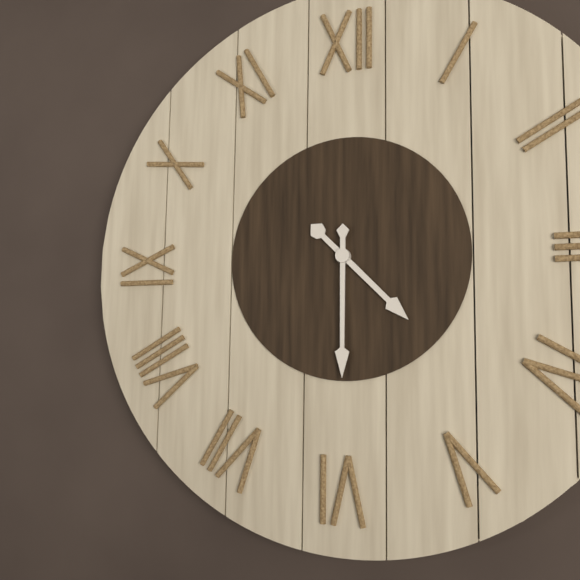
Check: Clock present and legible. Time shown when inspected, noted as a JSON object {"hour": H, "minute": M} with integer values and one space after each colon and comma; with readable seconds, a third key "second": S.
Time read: {"hour": 4, "minute": 30}
